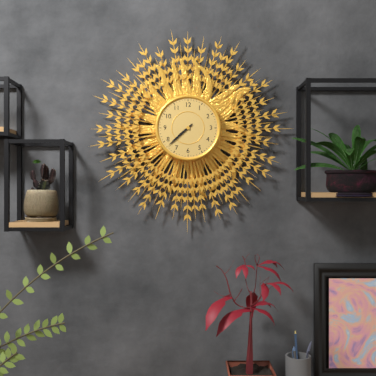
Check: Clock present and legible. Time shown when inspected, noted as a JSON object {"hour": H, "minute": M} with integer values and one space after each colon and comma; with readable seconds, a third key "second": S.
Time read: {"hour": 7, "minute": 38}
